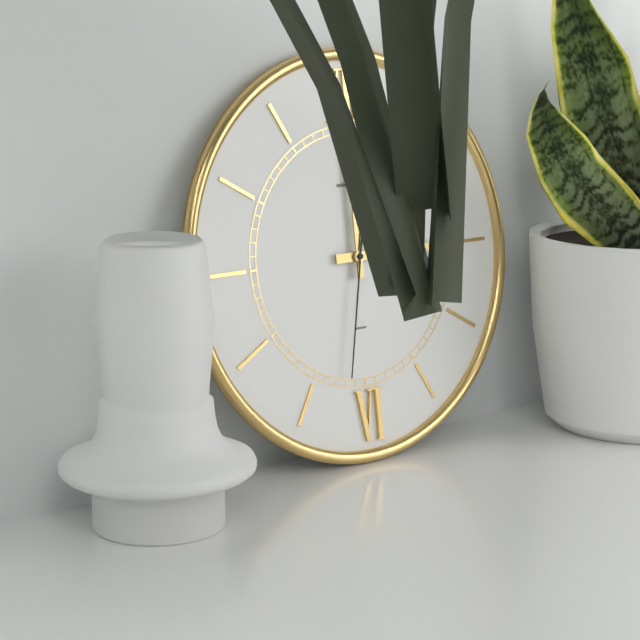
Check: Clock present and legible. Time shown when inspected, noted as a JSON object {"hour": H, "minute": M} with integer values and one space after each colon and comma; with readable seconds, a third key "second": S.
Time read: {"hour": 3, "minute": 0, "second": 32}
